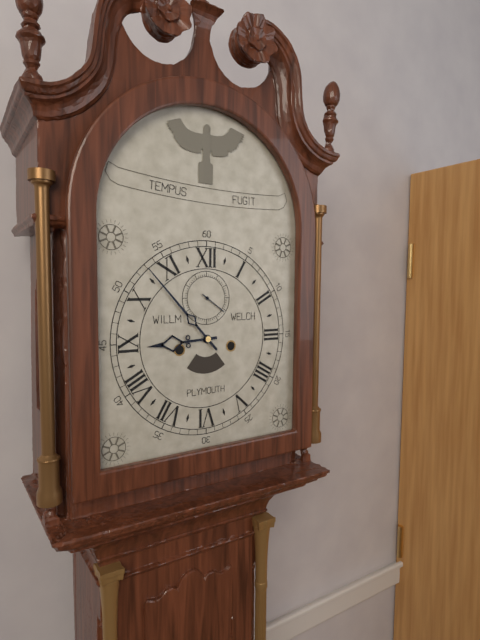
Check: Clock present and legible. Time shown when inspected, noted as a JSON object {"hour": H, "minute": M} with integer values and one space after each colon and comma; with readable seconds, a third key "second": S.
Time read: {"hour": 8, "minute": 53}
